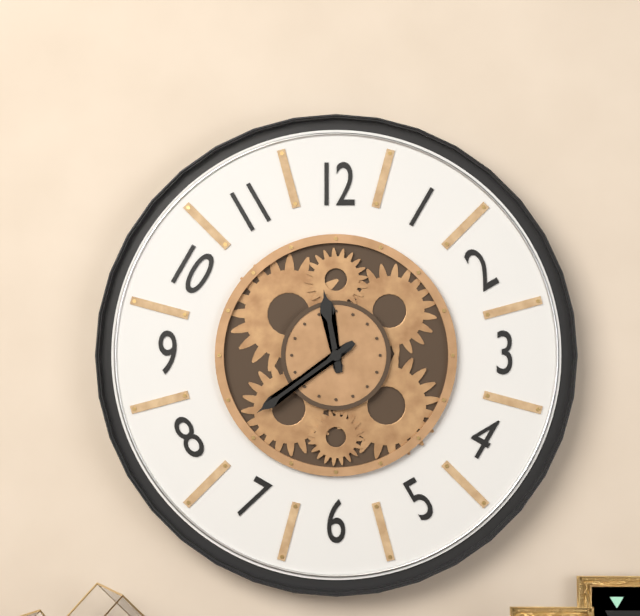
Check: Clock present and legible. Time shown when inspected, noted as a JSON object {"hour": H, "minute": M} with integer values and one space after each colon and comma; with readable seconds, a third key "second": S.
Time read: {"hour": 11, "minute": 39}
